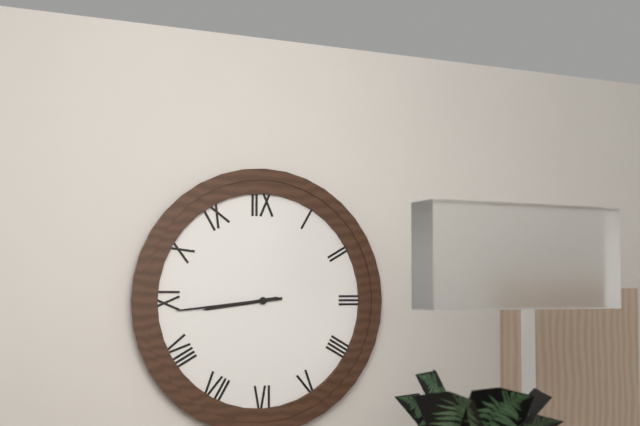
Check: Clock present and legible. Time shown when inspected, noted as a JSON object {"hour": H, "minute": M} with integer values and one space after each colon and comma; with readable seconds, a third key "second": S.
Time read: {"hour": 8, "minute": 44}
